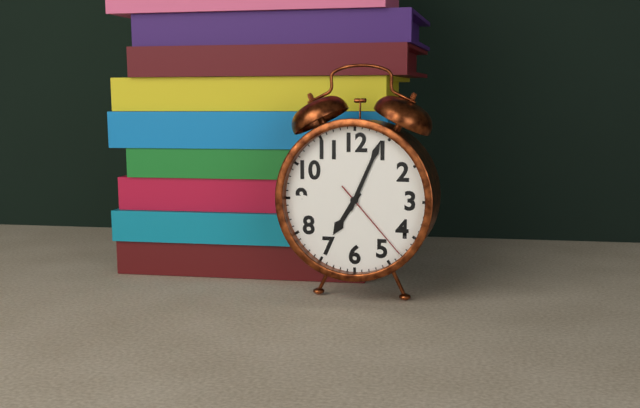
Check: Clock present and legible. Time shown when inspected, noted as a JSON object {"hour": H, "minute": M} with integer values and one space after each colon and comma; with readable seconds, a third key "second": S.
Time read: {"hour": 7, "minute": 4, "second": 23}
